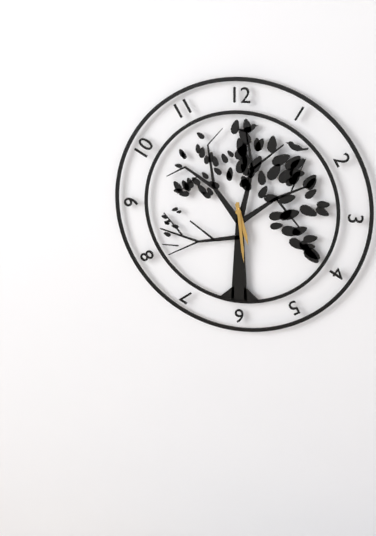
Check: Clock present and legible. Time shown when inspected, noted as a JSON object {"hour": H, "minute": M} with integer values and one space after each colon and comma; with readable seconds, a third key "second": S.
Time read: {"hour": 5, "minute": 29}
